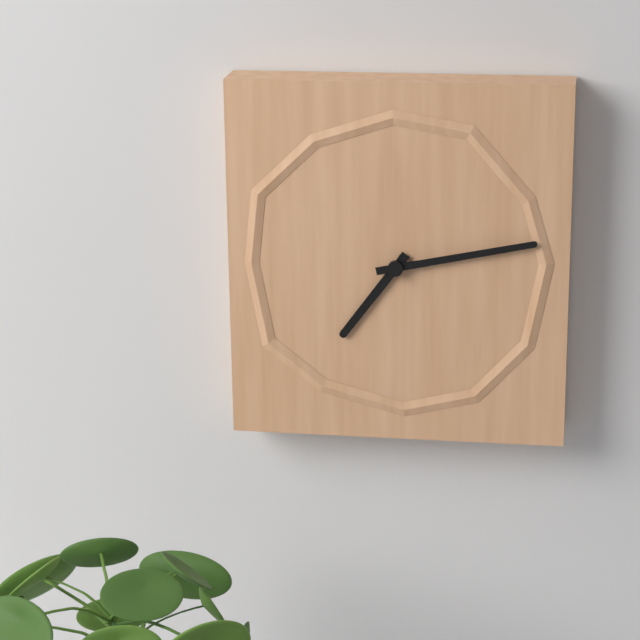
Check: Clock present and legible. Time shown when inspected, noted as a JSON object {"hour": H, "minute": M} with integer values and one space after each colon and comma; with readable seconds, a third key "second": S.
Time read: {"hour": 7, "minute": 13}
